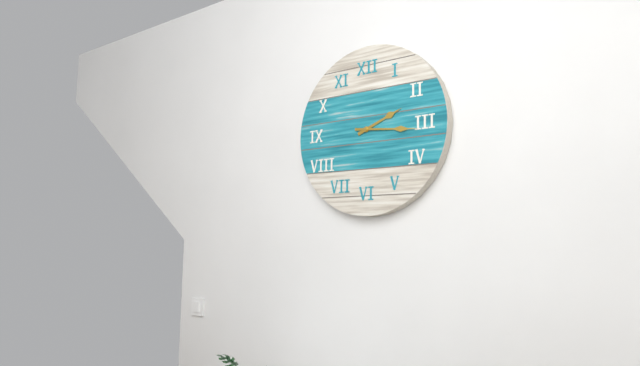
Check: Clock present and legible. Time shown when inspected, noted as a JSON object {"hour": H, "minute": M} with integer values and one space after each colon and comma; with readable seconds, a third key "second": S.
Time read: {"hour": 2, "minute": 16}
